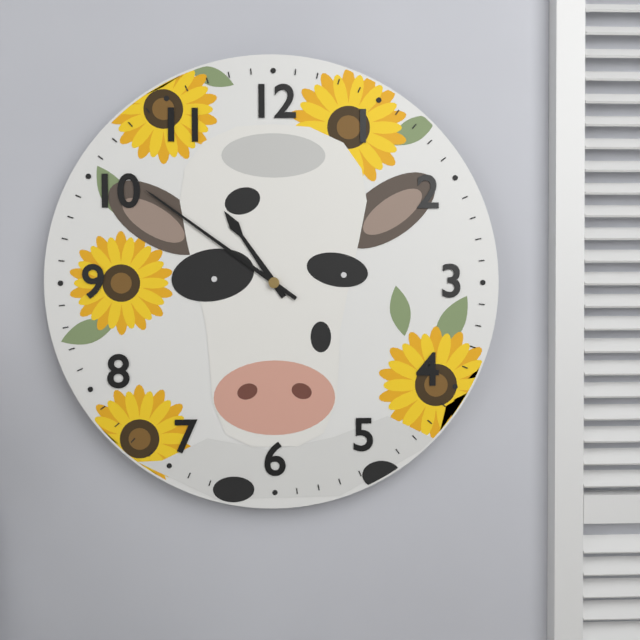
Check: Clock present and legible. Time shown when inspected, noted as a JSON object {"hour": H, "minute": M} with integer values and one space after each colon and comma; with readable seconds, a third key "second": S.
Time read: {"hour": 10, "minute": 51}
